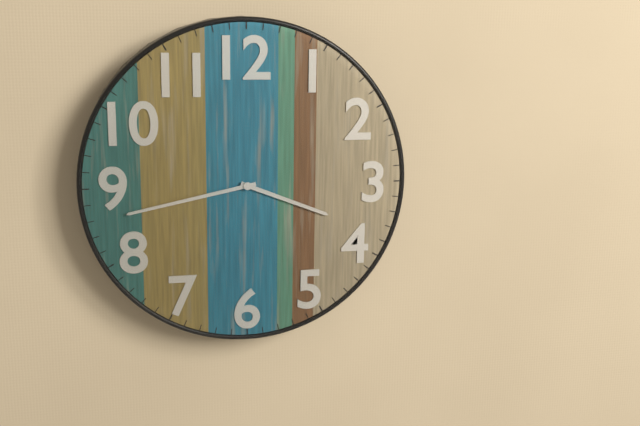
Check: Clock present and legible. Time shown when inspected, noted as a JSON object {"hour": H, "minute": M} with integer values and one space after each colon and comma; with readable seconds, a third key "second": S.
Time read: {"hour": 3, "minute": 43}
